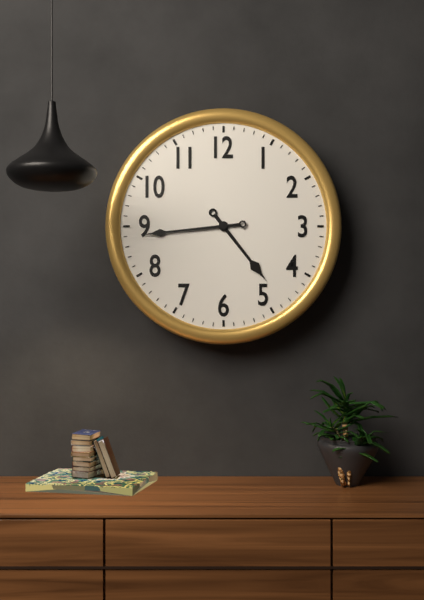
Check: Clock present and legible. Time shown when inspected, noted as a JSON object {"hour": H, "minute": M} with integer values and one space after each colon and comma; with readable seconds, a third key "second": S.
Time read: {"hour": 4, "minute": 44}
